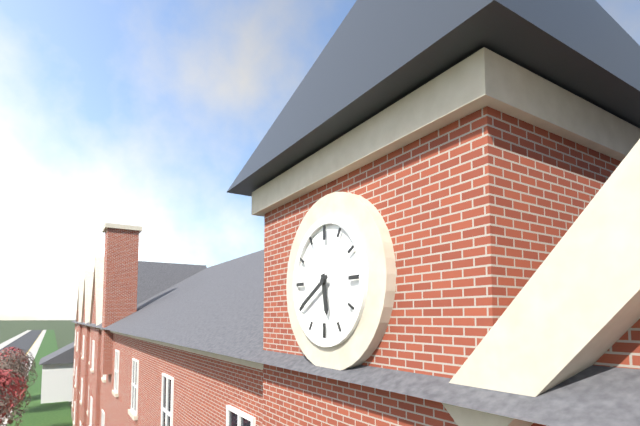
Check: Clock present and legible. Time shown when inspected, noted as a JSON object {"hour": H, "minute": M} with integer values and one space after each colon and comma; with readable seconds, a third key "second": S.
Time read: {"hour": 5, "minute": 40}
